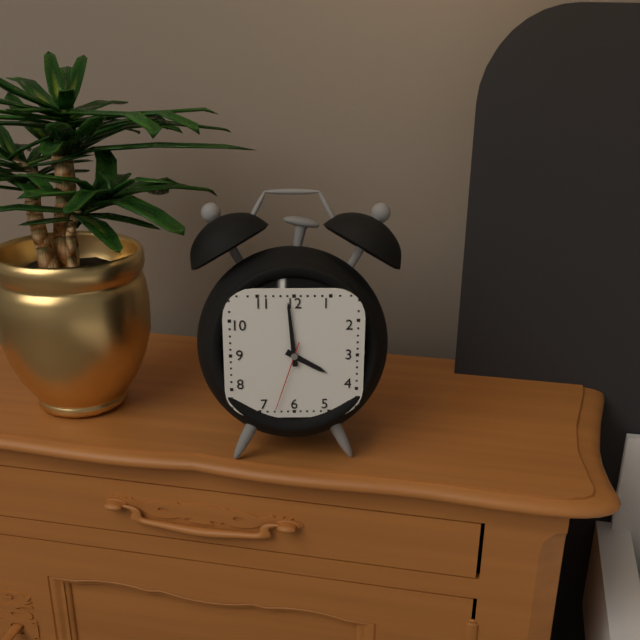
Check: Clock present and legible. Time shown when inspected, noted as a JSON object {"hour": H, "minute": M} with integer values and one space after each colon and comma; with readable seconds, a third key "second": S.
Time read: {"hour": 3, "minute": 59, "second": 33}
